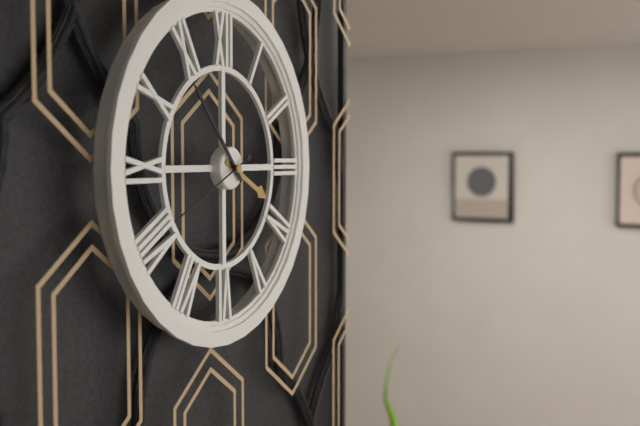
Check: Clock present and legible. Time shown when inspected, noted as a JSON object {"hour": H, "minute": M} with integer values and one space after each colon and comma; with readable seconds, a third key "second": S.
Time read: {"hour": 3, "minute": 53, "second": 41}
